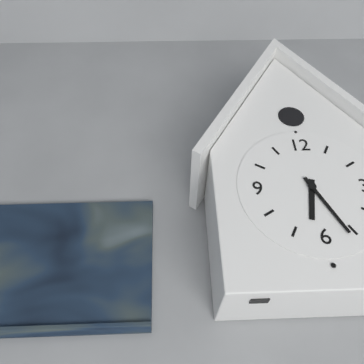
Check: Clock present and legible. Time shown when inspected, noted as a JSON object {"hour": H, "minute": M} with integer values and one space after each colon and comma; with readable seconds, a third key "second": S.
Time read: {"hour": 6, "minute": 26}
